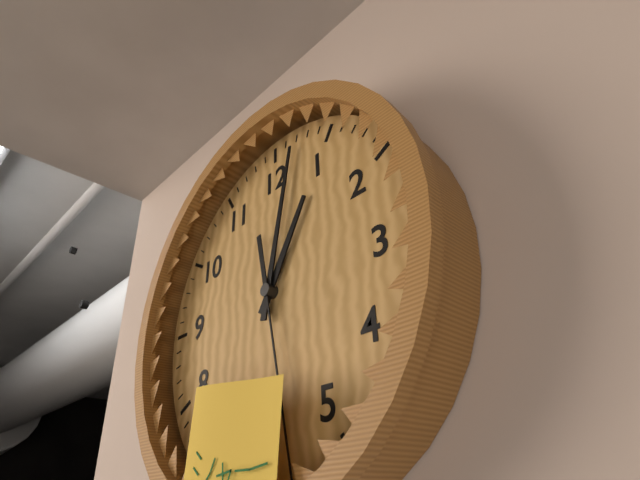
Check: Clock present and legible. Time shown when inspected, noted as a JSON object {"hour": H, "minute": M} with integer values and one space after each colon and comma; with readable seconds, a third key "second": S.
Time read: {"hour": 1, "minute": 2}
